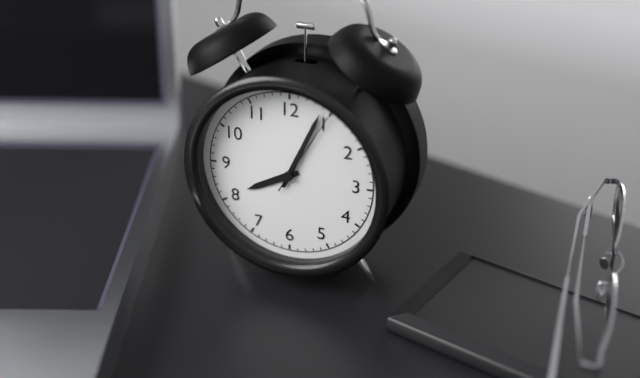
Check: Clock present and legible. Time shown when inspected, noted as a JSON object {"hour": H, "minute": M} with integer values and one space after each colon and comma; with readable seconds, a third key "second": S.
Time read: {"hour": 8, "minute": 4, "second": 5}
